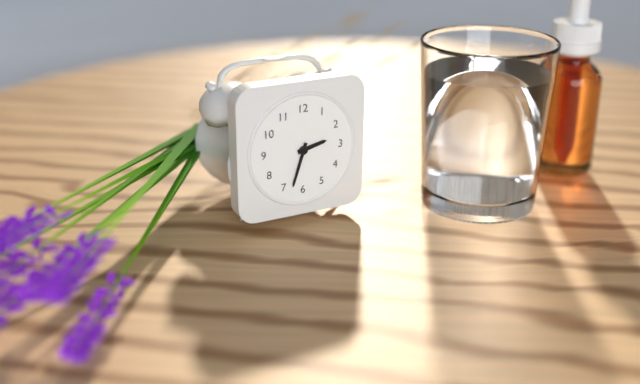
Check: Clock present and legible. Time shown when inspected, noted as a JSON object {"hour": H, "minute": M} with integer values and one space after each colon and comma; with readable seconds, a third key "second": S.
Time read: {"hour": 2, "minute": 33}
